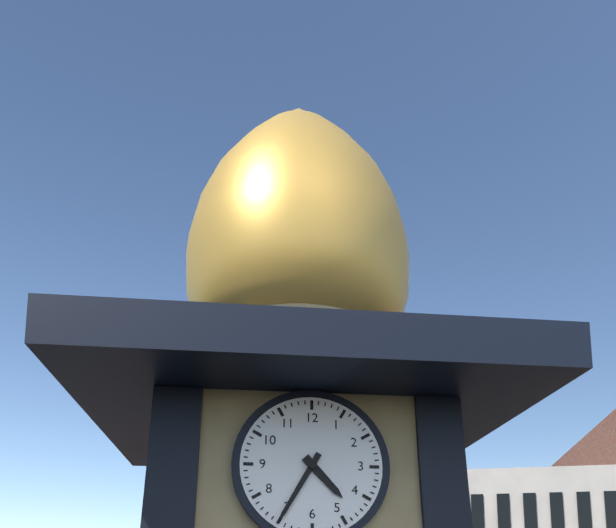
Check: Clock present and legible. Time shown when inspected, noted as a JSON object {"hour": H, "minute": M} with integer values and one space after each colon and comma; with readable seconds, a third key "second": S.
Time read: {"hour": 4, "minute": 35}
